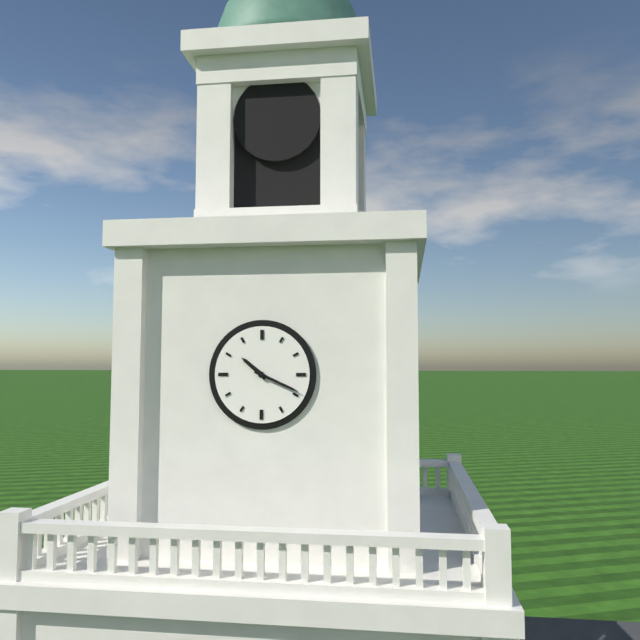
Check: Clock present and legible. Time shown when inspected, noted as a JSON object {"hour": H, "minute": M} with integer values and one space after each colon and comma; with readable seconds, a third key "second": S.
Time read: {"hour": 10, "minute": 19}
